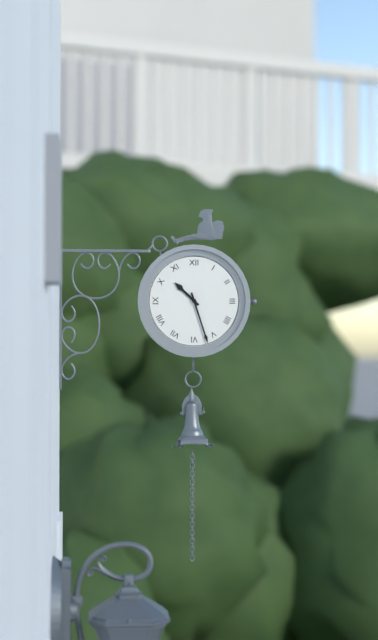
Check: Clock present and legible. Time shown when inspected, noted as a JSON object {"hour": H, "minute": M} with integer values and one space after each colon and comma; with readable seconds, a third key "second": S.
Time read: {"hour": 10, "minute": 27}
